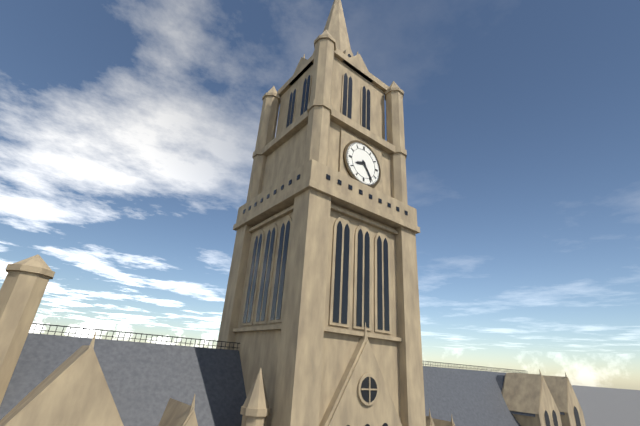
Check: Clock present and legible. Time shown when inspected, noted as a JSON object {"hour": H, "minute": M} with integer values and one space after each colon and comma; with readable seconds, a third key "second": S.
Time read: {"hour": 8, "minute": 24}
